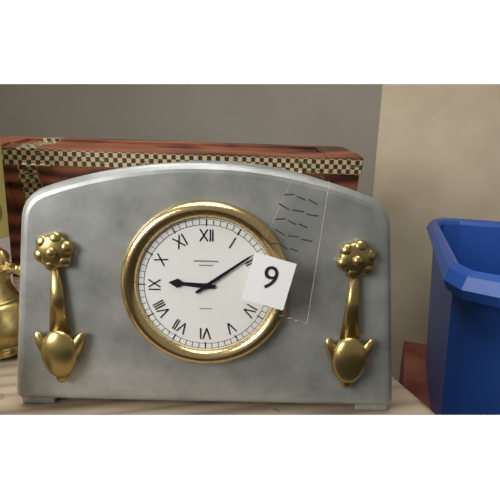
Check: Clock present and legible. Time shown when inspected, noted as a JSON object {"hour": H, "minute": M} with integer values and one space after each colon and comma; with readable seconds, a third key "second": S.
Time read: {"hour": 9, "minute": 9}
